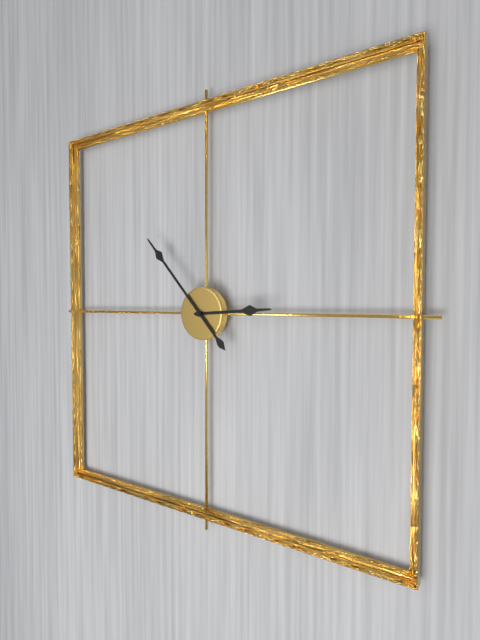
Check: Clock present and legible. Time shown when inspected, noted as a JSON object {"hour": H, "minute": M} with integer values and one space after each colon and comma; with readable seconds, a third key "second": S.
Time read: {"hour": 2, "minute": 53}
